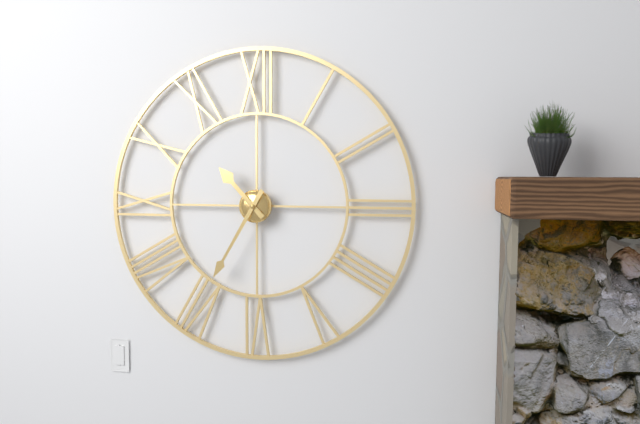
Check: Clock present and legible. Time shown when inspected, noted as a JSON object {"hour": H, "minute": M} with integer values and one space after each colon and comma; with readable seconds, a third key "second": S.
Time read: {"hour": 10, "minute": 35}
